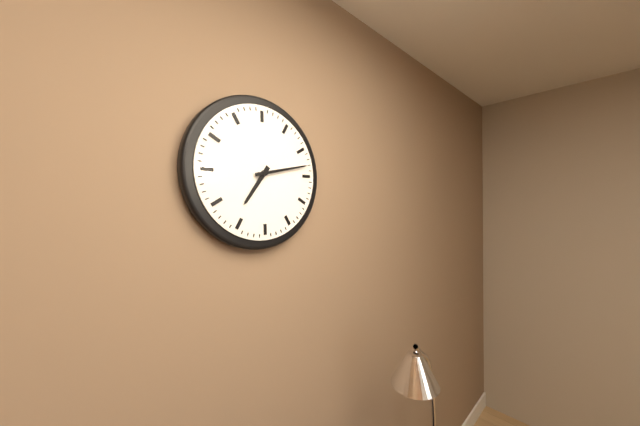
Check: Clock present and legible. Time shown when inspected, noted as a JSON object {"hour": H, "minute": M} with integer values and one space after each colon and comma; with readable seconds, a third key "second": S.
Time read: {"hour": 7, "minute": 13}
